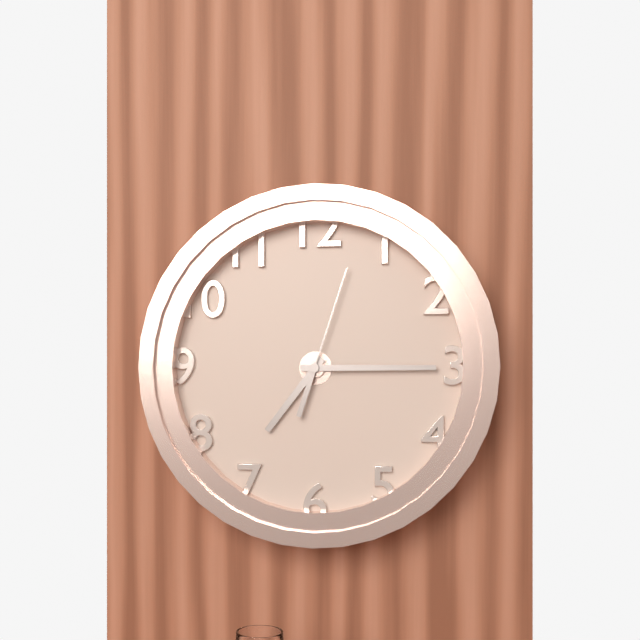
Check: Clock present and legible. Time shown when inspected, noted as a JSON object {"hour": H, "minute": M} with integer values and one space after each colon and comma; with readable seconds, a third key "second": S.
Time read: {"hour": 7, "minute": 15, "second": 3}
